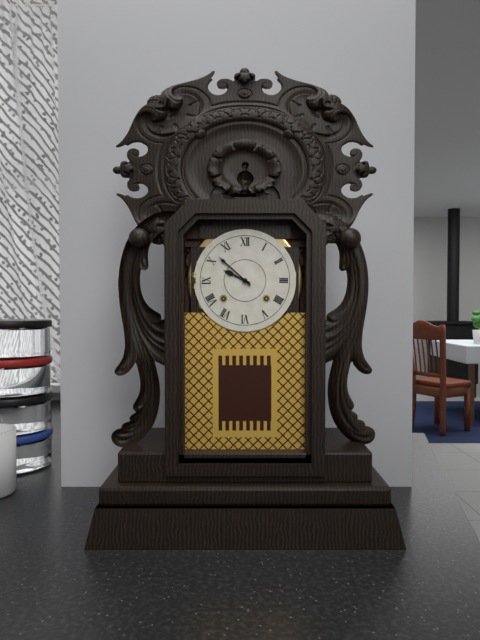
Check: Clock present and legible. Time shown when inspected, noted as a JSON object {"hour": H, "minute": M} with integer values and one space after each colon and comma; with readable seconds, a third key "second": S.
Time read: {"hour": 9, "minute": 52}
